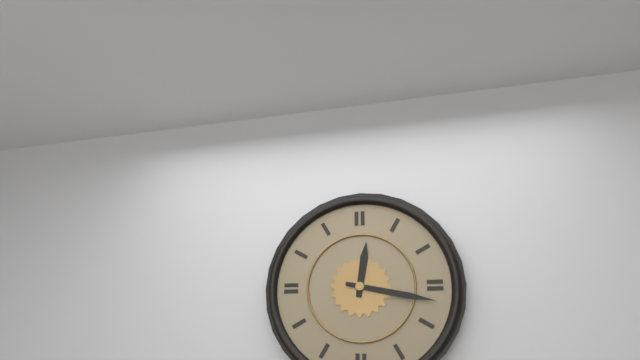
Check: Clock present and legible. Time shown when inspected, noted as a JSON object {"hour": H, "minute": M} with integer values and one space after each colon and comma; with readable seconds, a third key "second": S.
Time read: {"hour": 12, "minute": 17}
